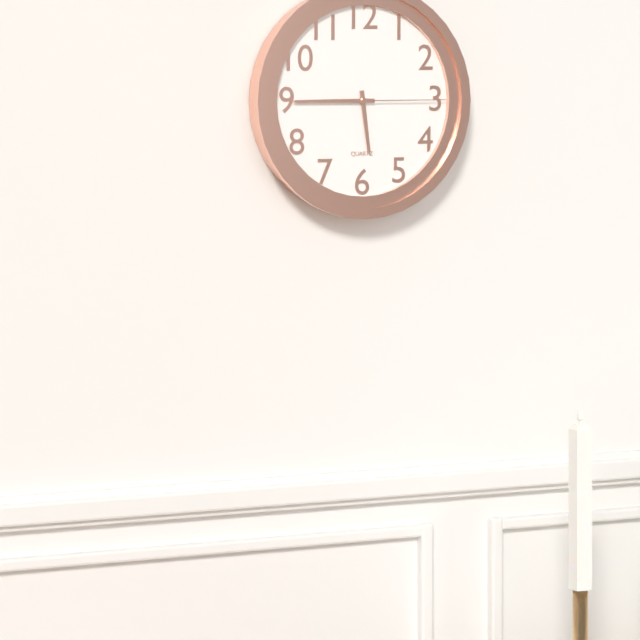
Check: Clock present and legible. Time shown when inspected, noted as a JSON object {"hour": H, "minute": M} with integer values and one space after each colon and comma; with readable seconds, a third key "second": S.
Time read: {"hour": 5, "minute": 45, "second": 15}
